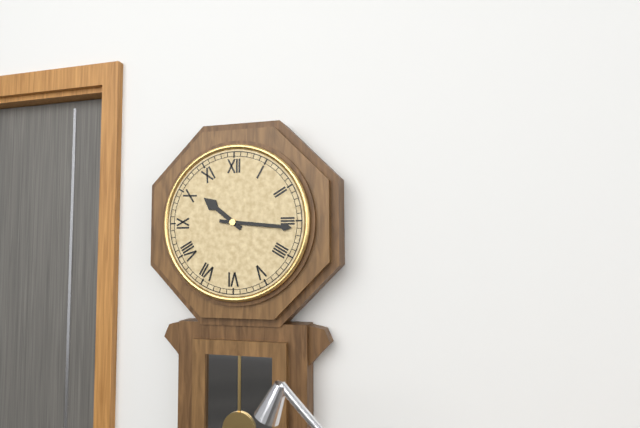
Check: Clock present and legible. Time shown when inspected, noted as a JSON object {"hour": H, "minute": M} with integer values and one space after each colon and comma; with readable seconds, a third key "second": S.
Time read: {"hour": 10, "minute": 16}
